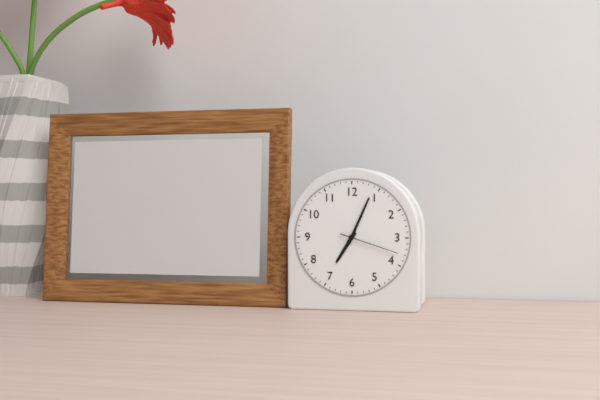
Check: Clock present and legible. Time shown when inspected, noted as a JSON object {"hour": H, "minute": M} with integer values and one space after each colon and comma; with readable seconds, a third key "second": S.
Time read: {"hour": 7, "minute": 4, "second": 18}
